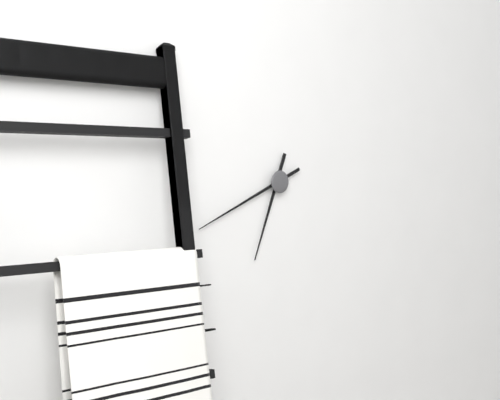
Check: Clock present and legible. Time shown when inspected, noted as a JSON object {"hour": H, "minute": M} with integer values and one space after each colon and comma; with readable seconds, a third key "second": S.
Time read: {"hour": 6, "minute": 41}
